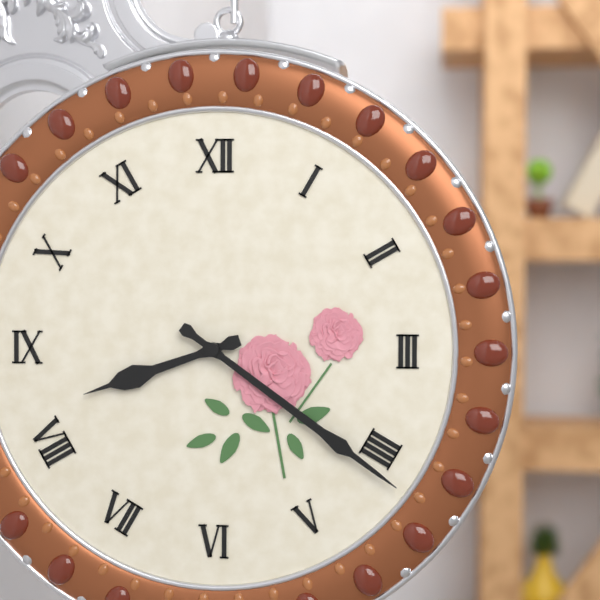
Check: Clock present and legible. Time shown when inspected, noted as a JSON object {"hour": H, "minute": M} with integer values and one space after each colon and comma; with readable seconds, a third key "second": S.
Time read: {"hour": 8, "minute": 21}
